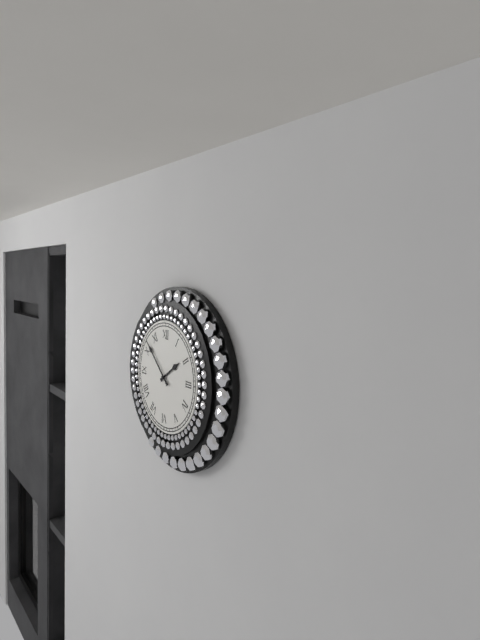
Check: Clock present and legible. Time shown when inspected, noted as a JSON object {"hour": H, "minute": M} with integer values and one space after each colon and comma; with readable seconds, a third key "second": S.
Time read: {"hour": 1, "minute": 52}
